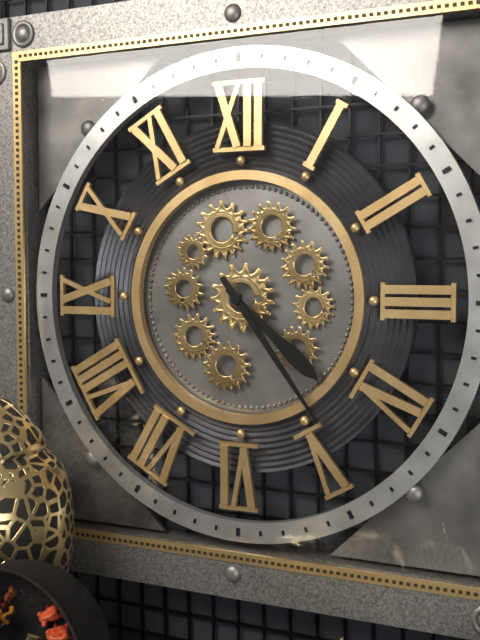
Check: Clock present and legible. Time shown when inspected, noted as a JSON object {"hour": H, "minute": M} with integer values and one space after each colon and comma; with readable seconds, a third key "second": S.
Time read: {"hour": 4, "minute": 24}
